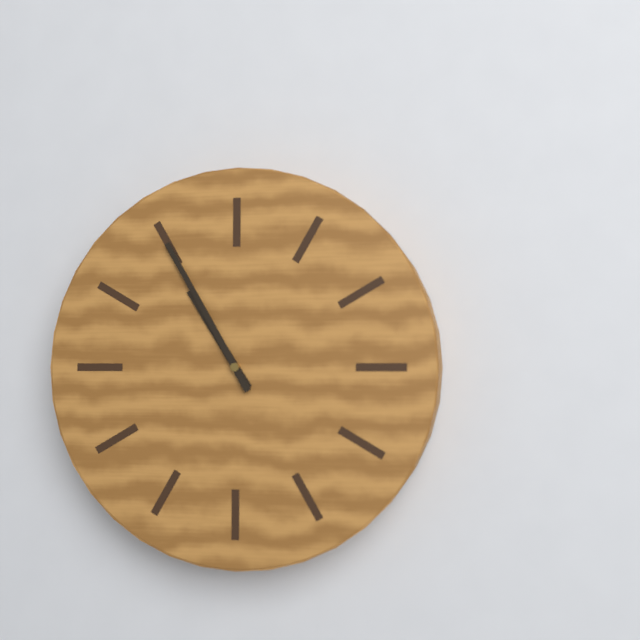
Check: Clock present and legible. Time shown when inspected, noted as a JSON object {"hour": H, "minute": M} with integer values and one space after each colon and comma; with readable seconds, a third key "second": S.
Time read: {"hour": 10, "minute": 55}
